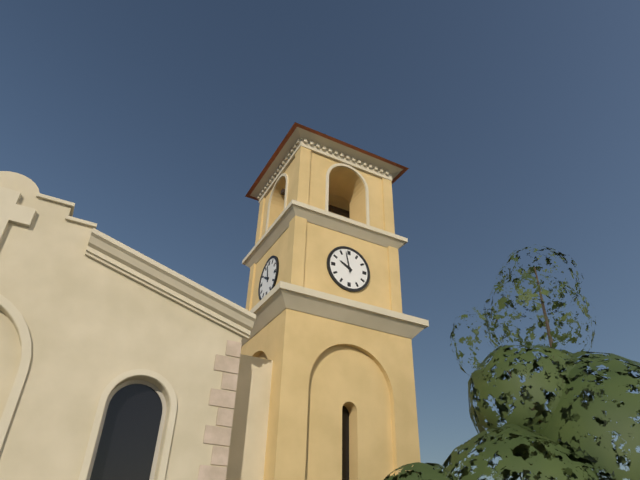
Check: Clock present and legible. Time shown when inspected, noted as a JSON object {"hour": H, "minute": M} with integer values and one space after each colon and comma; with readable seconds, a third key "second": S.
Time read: {"hour": 9, "minute": 58}
